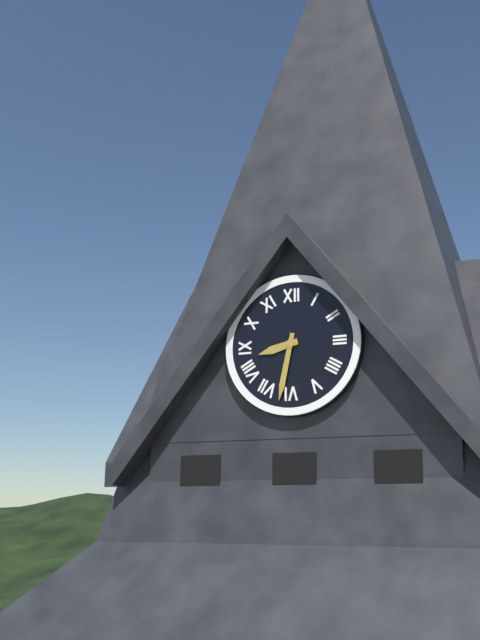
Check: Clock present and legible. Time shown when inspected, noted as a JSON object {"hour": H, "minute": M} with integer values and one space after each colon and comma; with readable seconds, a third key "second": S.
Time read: {"hour": 8, "minute": 32}
